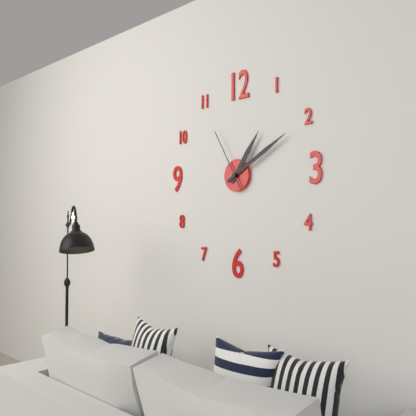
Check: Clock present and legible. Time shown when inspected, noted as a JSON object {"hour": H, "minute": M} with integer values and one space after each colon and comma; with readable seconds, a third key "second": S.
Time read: {"hour": 1, "minute": 10, "second": 55}
